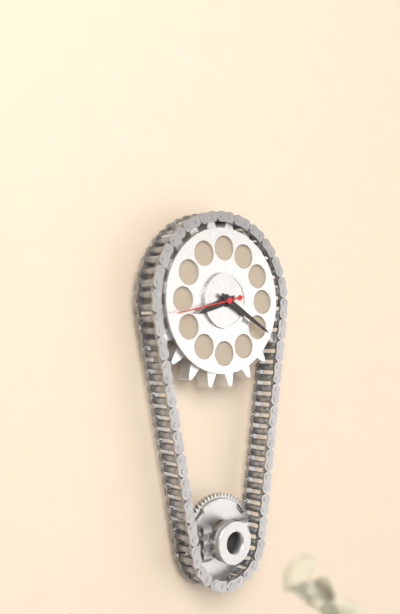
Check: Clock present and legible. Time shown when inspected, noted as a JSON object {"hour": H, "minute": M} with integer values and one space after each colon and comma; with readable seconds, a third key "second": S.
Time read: {"hour": 8, "minute": 20}
